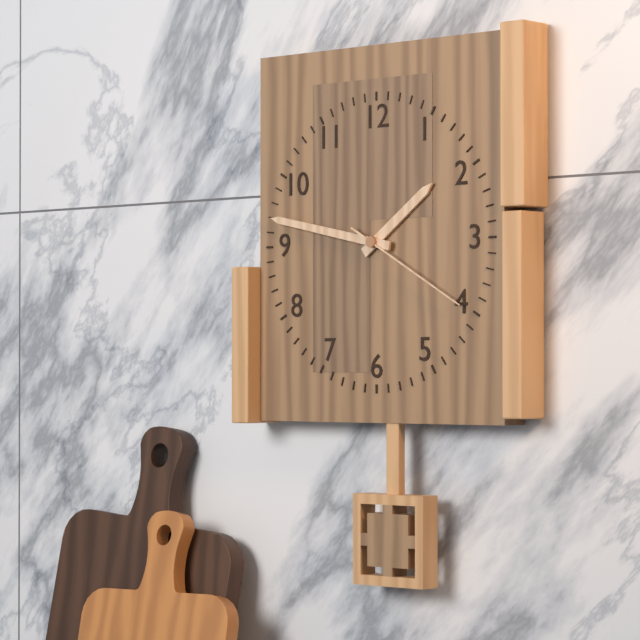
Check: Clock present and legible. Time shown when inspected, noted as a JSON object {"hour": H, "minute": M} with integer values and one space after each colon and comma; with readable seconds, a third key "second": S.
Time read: {"hour": 1, "minute": 47, "second": 20}
